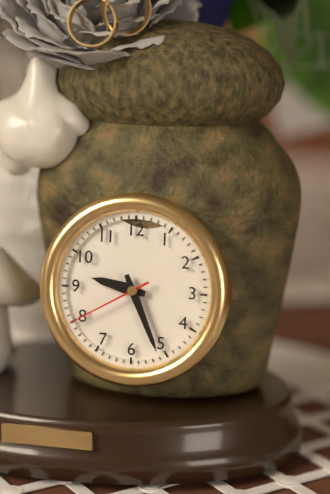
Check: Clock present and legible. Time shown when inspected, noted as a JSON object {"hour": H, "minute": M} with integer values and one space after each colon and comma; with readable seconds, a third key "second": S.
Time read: {"hour": 9, "minute": 26, "second": 40}
